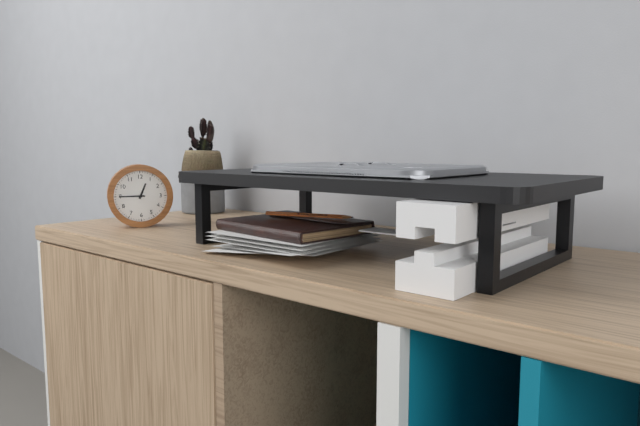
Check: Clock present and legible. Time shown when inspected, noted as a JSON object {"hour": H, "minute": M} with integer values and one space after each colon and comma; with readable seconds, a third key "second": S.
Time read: {"hour": 12, "minute": 45}
